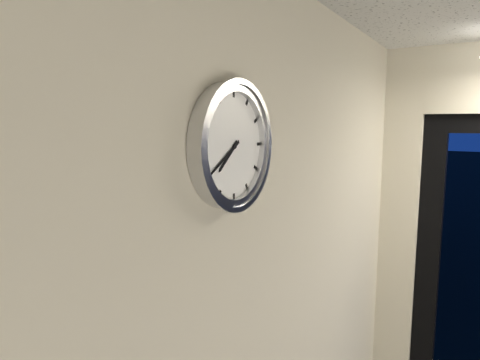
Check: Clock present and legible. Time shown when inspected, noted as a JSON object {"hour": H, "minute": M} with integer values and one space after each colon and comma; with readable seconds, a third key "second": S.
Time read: {"hour": 7, "minute": 40}
